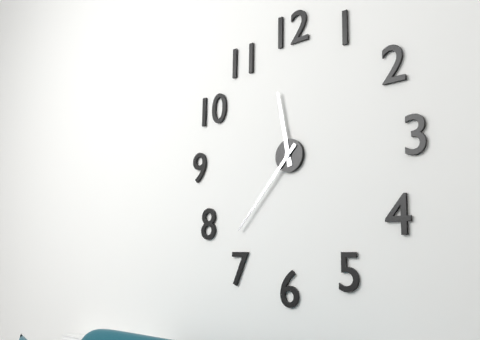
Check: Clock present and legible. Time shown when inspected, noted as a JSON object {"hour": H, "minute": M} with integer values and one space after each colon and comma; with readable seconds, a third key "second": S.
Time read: {"hour": 11, "minute": 37}
